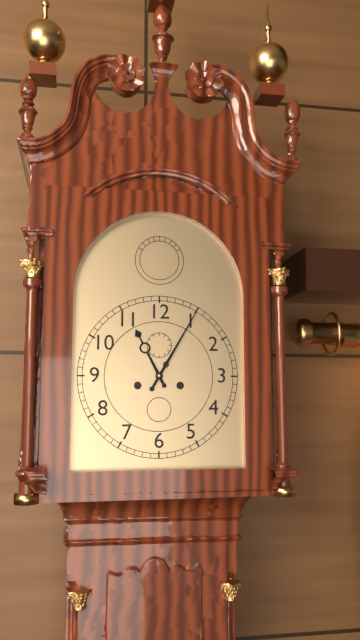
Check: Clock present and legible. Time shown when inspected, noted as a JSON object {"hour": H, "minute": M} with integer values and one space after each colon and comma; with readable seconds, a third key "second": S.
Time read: {"hour": 11, "minute": 5}
